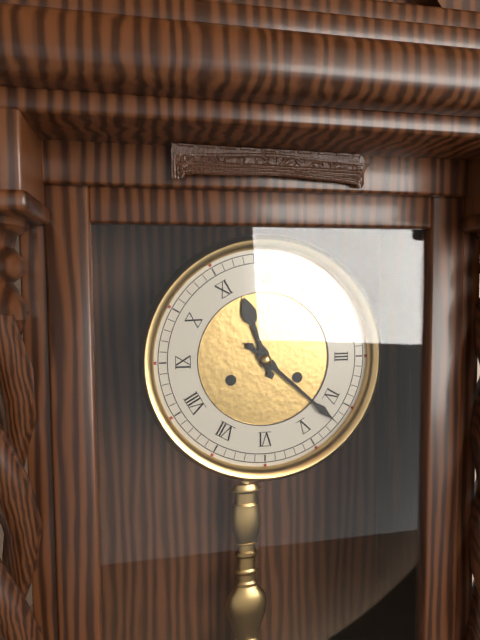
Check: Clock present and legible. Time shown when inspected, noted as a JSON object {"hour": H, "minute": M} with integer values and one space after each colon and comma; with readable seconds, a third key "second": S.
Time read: {"hour": 11, "minute": 22}
